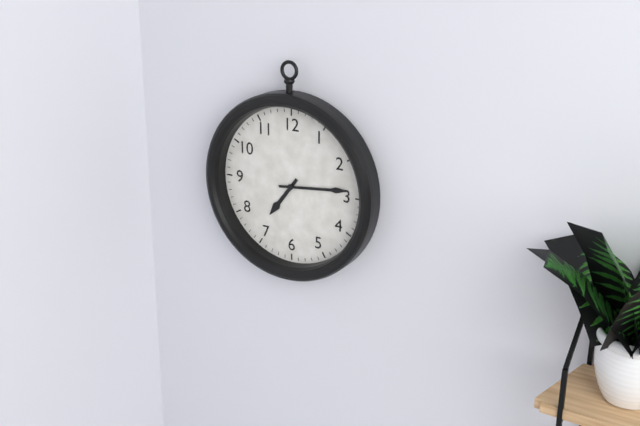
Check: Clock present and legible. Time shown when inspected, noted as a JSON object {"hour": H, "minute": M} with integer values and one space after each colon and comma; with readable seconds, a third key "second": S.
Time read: {"hour": 7, "minute": 14}
